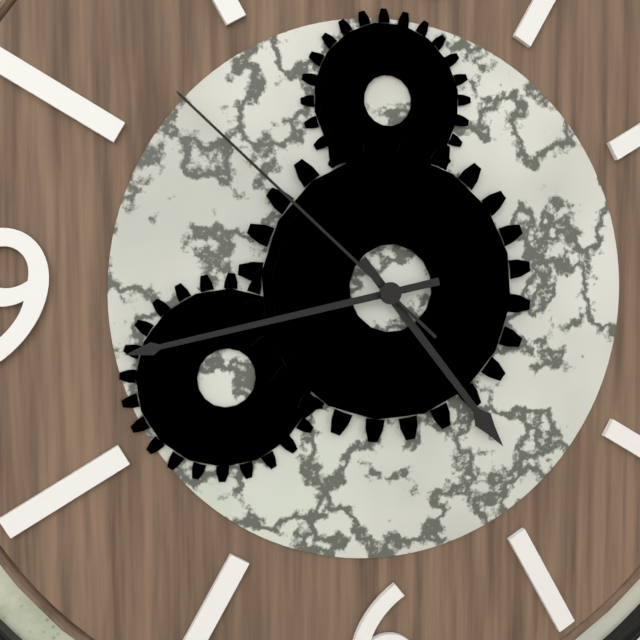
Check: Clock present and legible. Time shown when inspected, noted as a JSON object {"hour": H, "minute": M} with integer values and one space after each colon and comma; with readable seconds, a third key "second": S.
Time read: {"hour": 4, "minute": 43, "second": 52}
